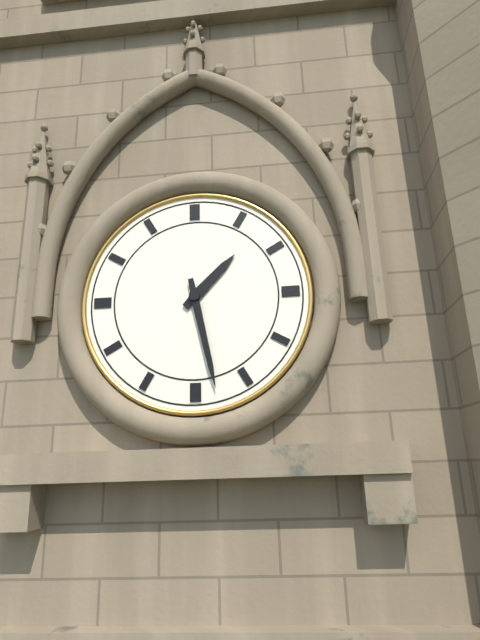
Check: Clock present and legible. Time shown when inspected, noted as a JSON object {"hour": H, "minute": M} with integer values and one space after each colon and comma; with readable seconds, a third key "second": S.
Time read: {"hour": 1, "minute": 28}
